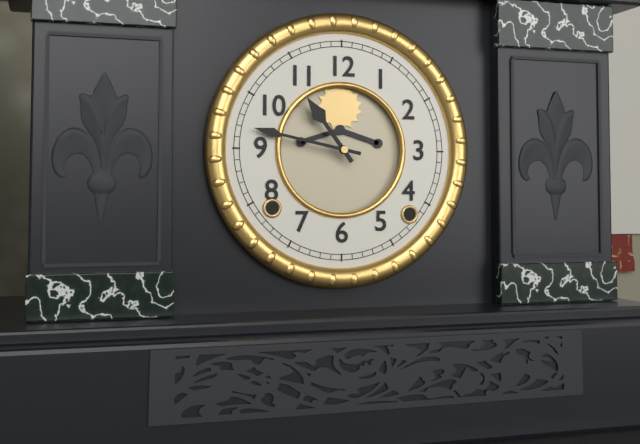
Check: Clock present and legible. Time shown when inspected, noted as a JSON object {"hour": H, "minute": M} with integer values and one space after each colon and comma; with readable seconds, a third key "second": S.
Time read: {"hour": 10, "minute": 47}
